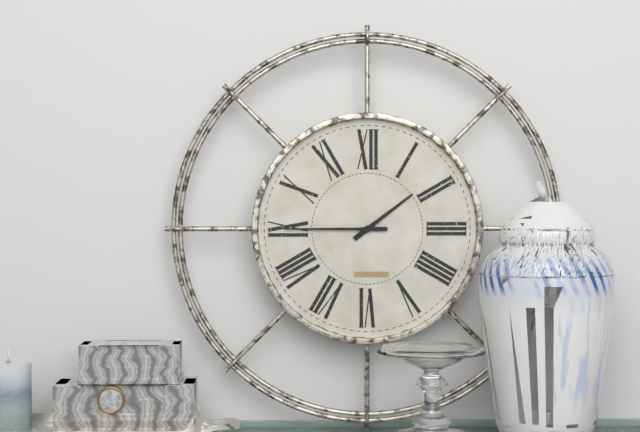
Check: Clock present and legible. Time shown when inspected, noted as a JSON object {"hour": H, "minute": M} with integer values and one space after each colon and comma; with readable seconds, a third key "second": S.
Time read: {"hour": 1, "minute": 45}
